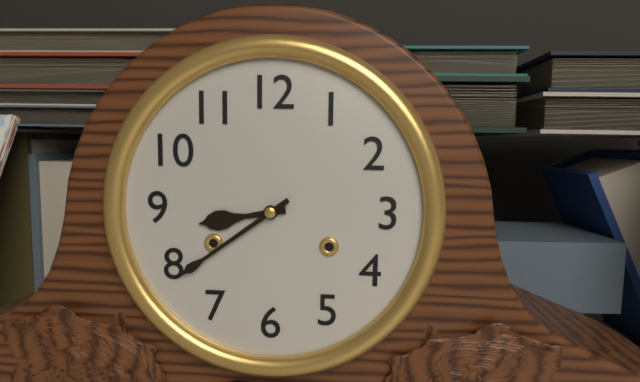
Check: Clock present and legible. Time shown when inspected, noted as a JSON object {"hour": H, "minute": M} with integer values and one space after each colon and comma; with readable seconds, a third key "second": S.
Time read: {"hour": 8, "minute": 39}
